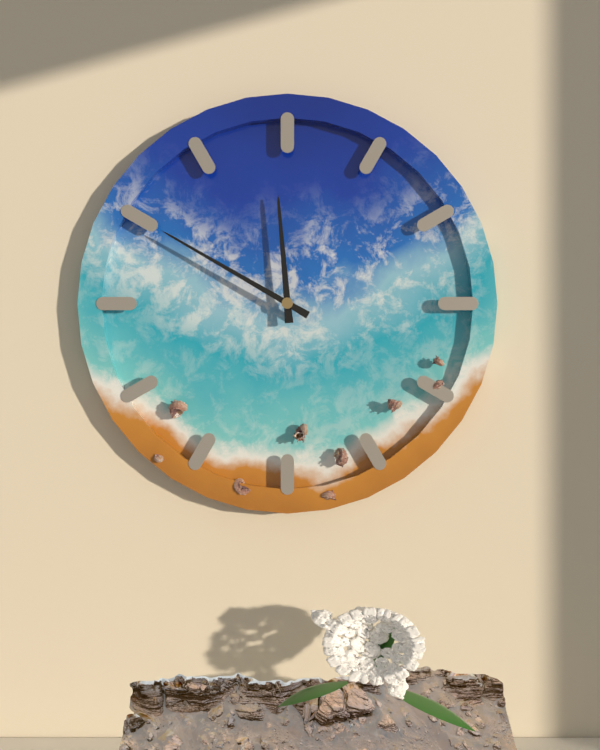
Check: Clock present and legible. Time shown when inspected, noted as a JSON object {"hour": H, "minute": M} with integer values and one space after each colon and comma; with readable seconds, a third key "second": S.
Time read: {"hour": 11, "minute": 50}
